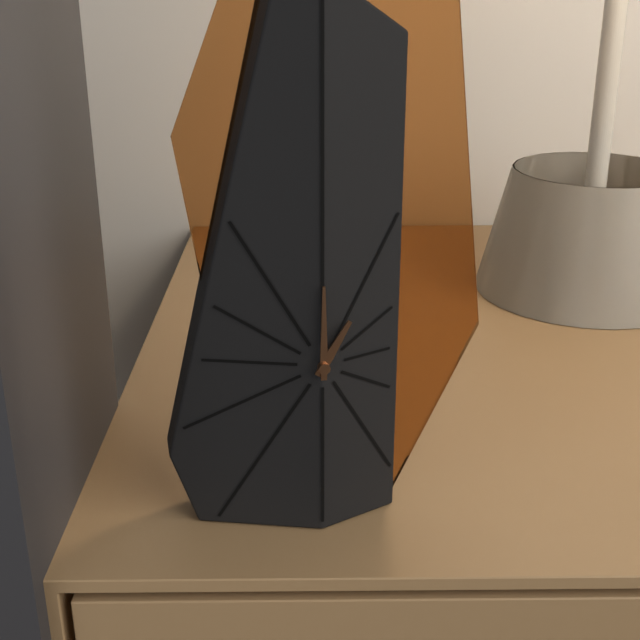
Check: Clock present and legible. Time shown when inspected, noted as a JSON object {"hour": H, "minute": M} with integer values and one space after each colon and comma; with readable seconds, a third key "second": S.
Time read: {"hour": 1, "minute": 0}
